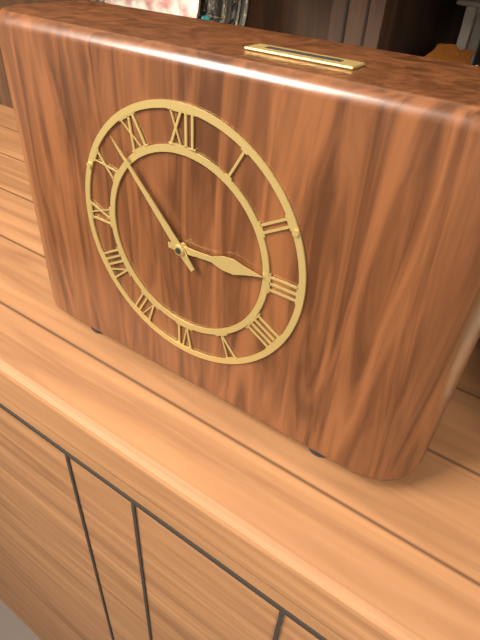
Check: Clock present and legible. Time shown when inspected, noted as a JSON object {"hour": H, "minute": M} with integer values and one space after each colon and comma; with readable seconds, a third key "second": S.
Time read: {"hour": 2, "minute": 53}
